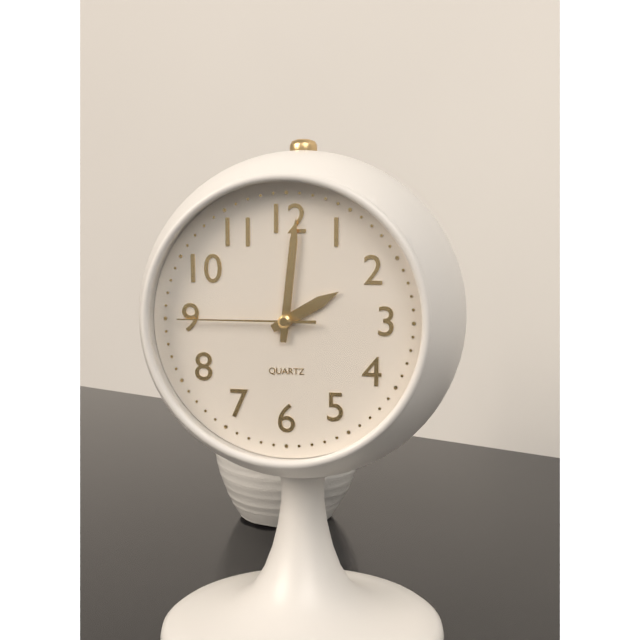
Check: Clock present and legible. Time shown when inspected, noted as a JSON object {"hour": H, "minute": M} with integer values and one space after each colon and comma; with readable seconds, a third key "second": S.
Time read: {"hour": 2, "minute": 1, "second": 45}
